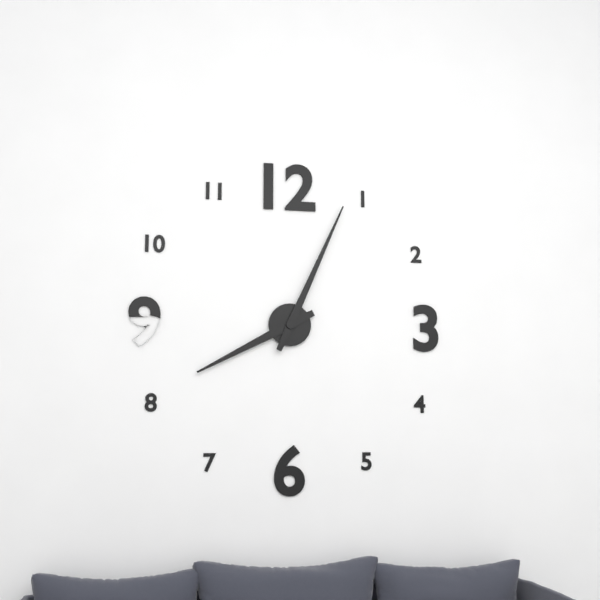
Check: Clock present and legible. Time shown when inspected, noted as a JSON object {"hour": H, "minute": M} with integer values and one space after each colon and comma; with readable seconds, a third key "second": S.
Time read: {"hour": 8, "minute": 4}
